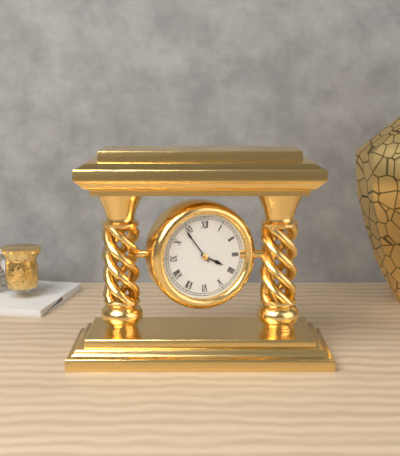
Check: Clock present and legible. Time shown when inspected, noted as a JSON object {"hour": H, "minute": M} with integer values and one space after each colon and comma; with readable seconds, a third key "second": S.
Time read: {"hour": 3, "minute": 54}
